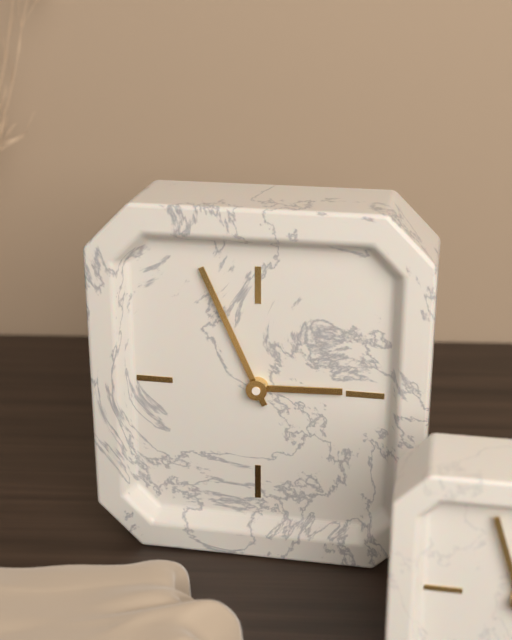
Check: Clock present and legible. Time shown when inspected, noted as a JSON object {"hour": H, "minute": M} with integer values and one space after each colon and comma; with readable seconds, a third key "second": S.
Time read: {"hour": 2, "minute": 56}
